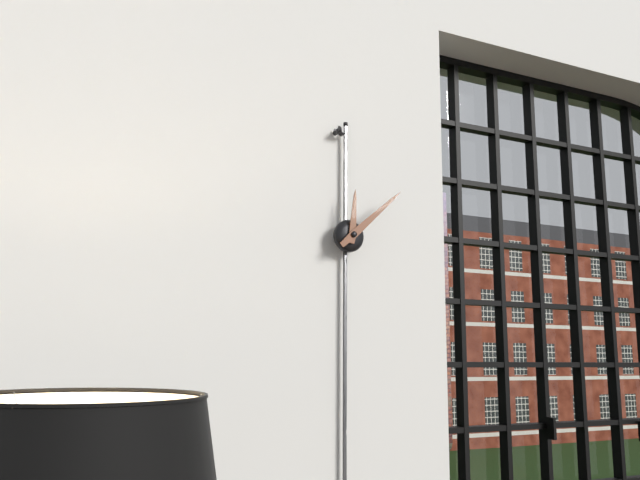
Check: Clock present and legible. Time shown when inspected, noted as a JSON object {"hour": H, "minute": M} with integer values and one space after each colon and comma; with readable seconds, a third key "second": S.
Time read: {"hour": 12, "minute": 8}
